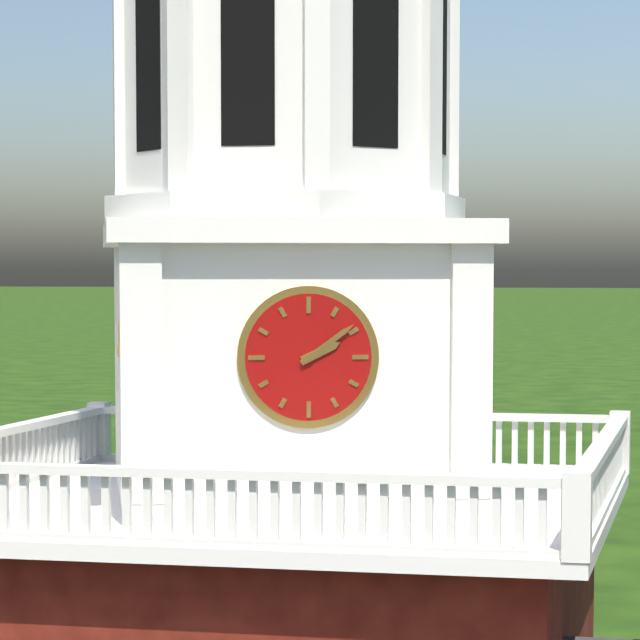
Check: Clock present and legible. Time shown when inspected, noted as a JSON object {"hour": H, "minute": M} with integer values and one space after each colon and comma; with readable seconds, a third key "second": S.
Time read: {"hour": 2, "minute": 9}
